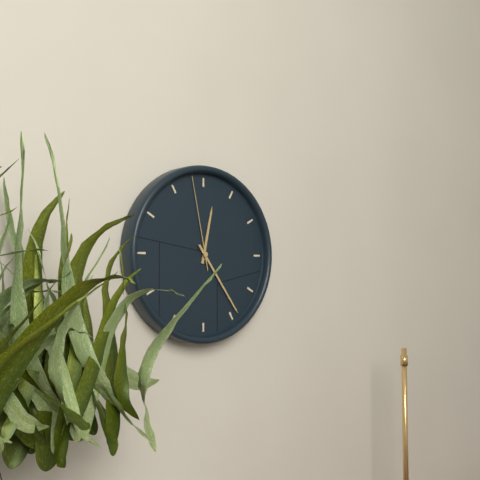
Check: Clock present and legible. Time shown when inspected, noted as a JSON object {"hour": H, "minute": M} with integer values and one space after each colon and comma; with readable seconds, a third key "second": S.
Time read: {"hour": 12, "minute": 24, "second": 58}
